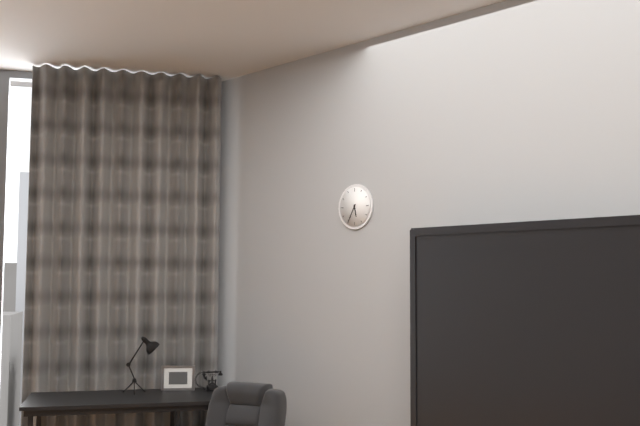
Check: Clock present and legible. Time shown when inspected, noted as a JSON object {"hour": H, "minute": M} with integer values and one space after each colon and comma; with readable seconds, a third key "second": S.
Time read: {"hour": 5, "minute": 35}
